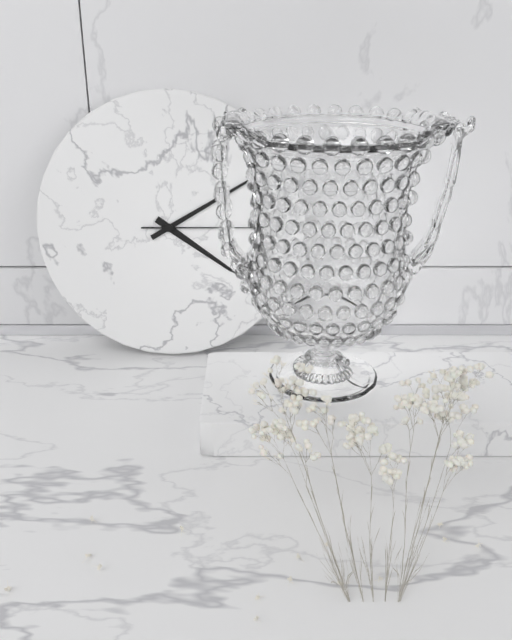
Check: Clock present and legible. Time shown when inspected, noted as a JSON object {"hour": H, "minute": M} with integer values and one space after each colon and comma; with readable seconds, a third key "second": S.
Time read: {"hour": 4, "minute": 10, "second": 15}
